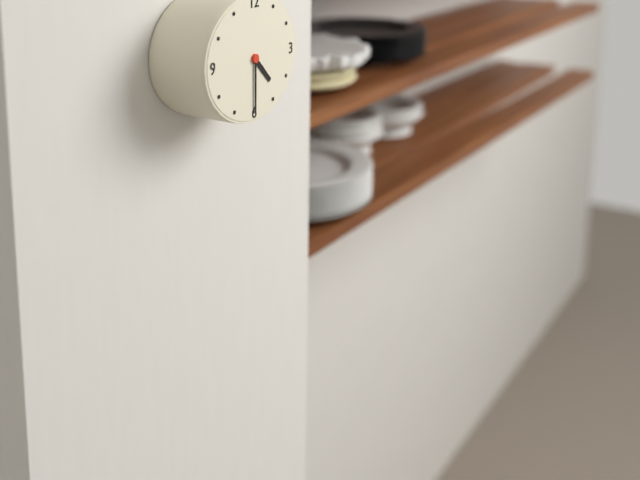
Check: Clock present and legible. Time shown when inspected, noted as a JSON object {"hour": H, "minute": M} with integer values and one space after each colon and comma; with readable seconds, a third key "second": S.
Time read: {"hour": 4, "minute": 30}
